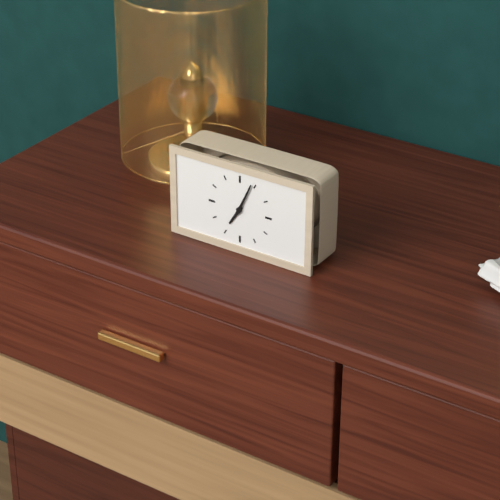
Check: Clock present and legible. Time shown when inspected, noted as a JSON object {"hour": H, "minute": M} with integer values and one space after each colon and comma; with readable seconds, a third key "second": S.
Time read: {"hour": 7, "minute": 4}
